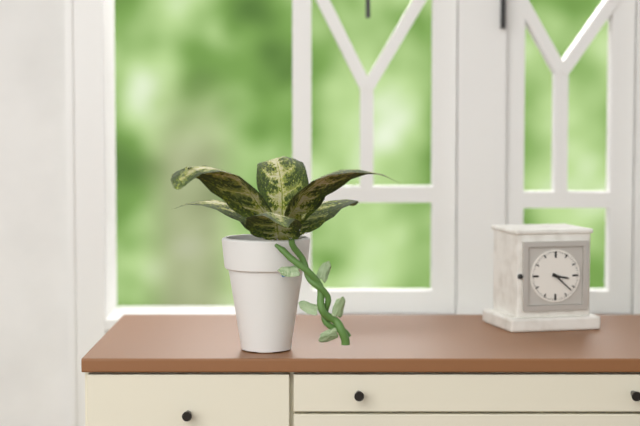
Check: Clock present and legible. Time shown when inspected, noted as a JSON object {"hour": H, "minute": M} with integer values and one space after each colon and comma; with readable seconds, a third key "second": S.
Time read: {"hour": 3, "minute": 22}
